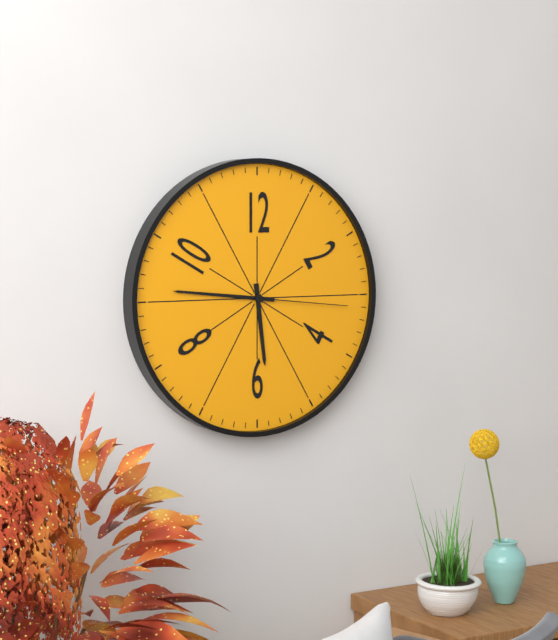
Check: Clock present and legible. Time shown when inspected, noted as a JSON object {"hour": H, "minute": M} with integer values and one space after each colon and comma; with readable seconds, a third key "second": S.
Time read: {"hour": 5, "minute": 46, "second": 16}
